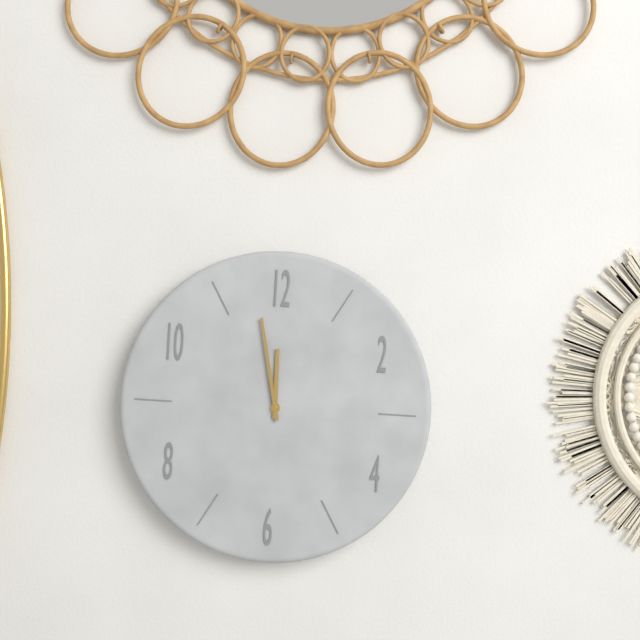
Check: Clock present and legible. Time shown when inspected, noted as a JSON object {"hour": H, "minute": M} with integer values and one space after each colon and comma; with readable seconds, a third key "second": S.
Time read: {"hour": 11, "minute": 58}
